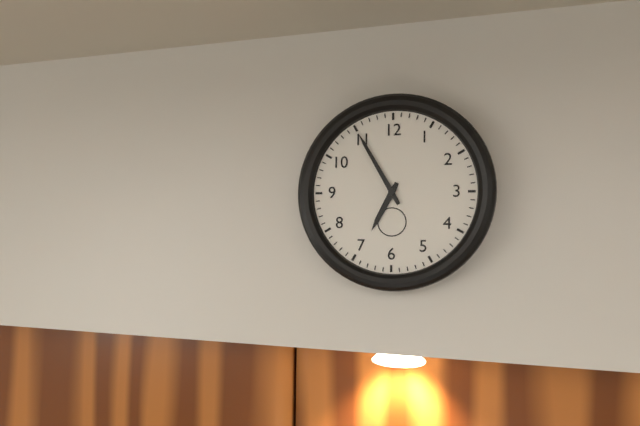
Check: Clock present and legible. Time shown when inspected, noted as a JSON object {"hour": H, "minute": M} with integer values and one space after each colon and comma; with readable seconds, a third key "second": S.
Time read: {"hour": 6, "minute": 55}
